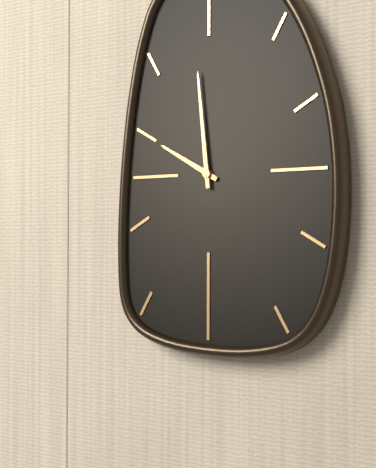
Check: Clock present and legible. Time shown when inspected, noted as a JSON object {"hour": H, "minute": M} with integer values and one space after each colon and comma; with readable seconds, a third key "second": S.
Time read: {"hour": 9, "minute": 59}
